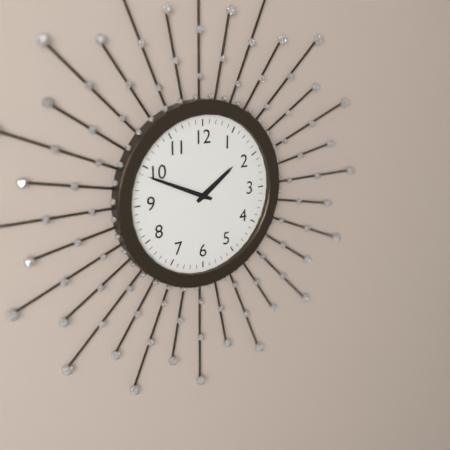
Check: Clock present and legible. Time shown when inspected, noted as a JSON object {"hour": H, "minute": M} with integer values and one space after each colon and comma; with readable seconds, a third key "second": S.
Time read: {"hour": 1, "minute": 49}
